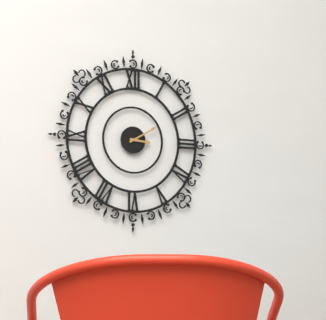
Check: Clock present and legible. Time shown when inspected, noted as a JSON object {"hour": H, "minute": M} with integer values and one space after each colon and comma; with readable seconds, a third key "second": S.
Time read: {"hour": 3, "minute": 10}
